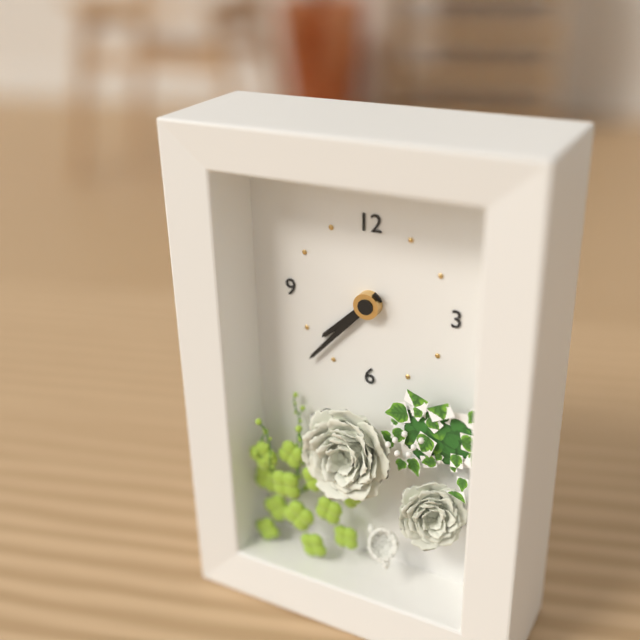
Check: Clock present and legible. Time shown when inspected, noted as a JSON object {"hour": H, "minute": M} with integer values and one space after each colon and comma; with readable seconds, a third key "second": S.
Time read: {"hour": 7, "minute": 37}
